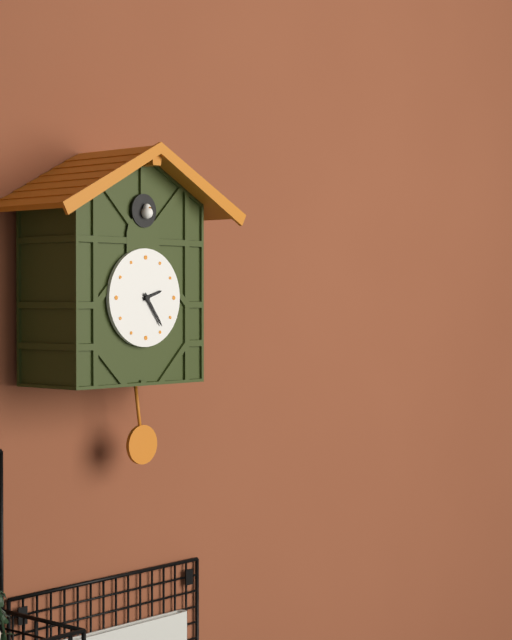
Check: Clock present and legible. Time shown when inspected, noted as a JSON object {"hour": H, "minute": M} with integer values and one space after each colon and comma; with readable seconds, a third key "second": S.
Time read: {"hour": 2, "minute": 24}
